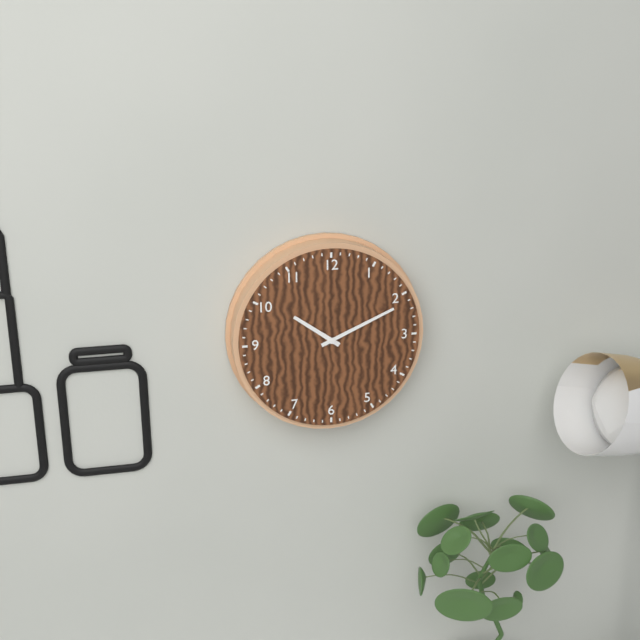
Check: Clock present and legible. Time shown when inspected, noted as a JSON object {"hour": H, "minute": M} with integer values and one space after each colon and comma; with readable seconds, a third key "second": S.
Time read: {"hour": 10, "minute": 11}
